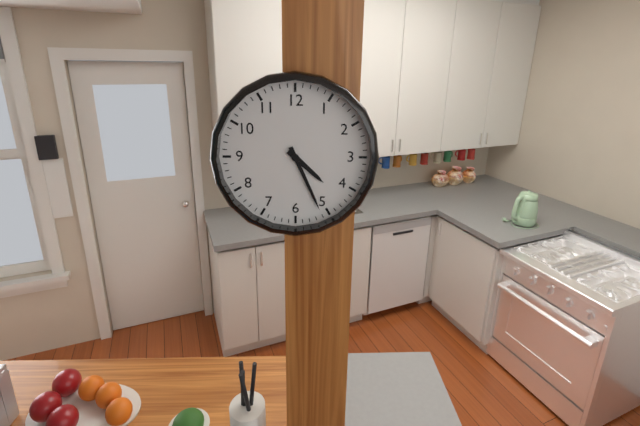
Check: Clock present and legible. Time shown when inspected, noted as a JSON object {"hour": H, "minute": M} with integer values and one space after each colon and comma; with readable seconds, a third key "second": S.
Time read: {"hour": 4, "minute": 26}
